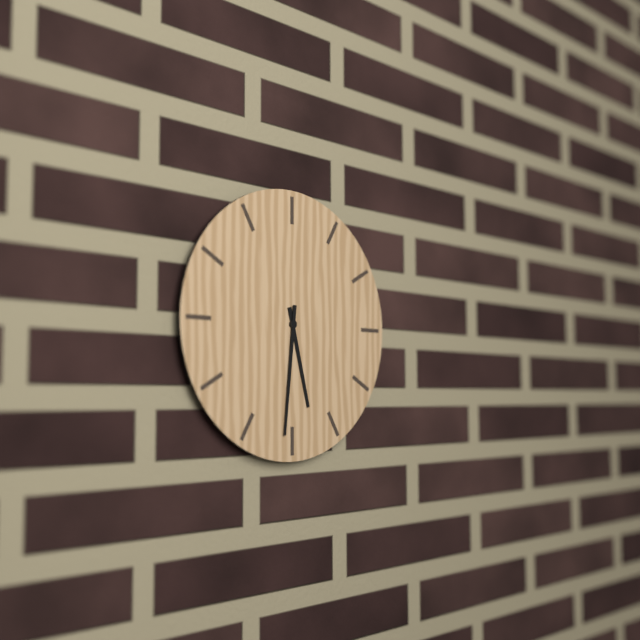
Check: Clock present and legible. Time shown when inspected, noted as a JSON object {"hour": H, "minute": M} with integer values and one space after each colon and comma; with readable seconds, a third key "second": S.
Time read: {"hour": 5, "minute": 31}
